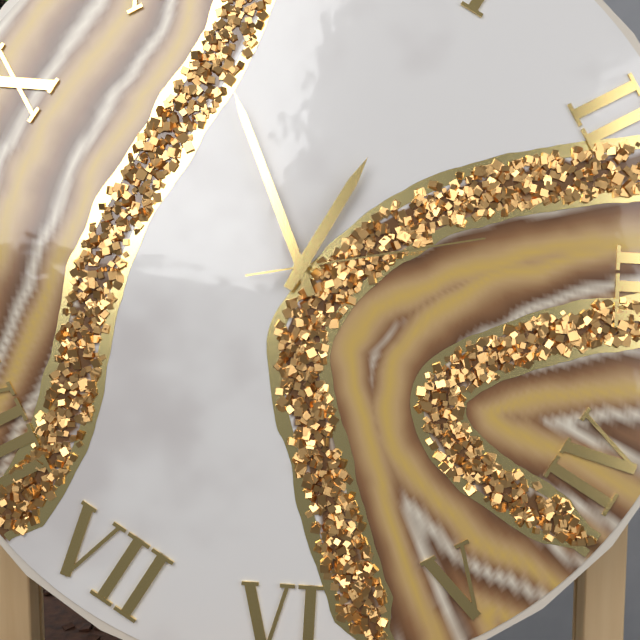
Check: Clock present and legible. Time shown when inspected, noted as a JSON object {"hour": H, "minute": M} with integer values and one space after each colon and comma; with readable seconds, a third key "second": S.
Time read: {"hour": 12, "minute": 56, "second": 13}
